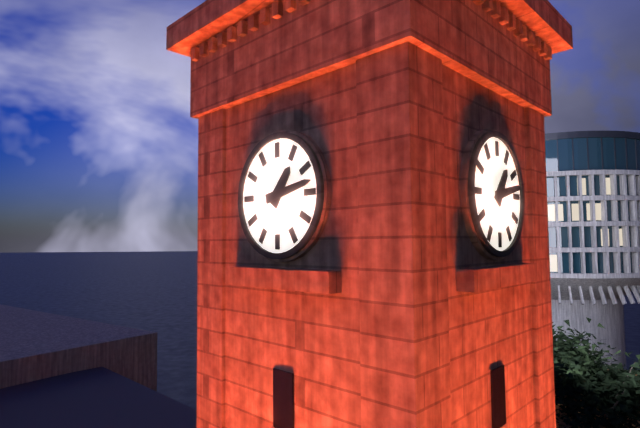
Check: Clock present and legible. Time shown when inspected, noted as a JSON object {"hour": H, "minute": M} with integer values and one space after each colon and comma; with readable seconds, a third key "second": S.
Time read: {"hour": 1, "minute": 13}
